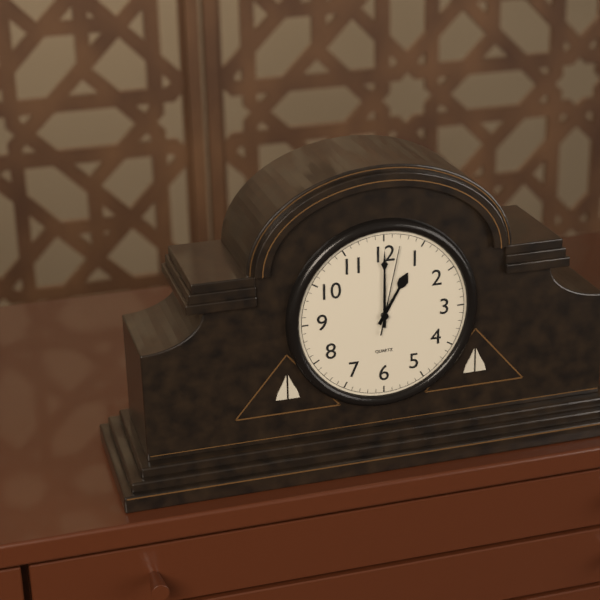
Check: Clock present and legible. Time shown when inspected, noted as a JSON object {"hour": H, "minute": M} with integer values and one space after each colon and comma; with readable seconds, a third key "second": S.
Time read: {"hour": 1, "minute": 0, "second": 2}
